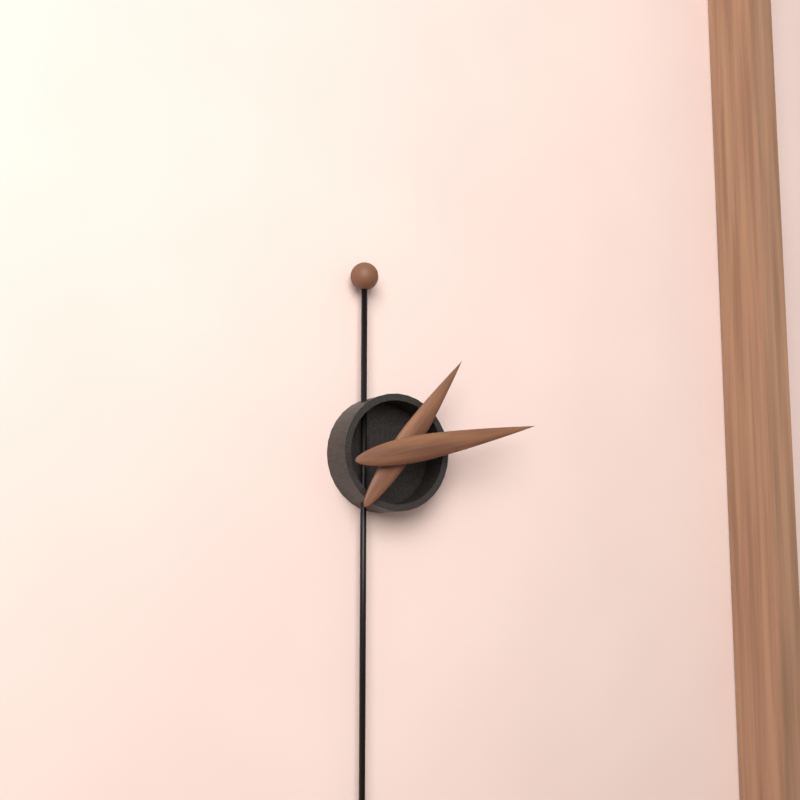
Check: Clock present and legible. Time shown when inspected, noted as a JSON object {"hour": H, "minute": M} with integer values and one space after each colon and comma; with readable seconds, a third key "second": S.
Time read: {"hour": 1, "minute": 13}
